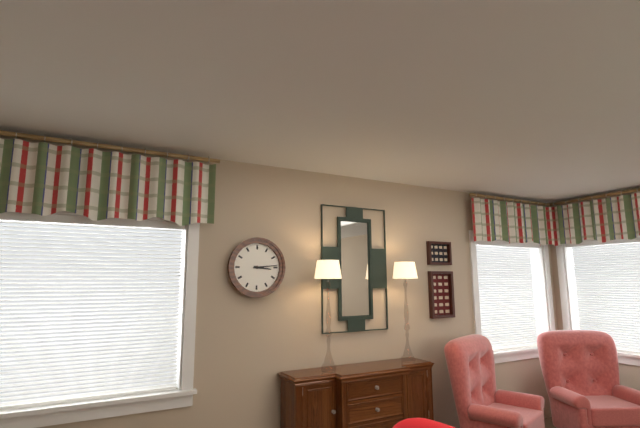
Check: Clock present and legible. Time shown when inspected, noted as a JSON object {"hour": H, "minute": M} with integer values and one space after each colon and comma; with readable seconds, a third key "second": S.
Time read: {"hour": 3, "minute": 14}
